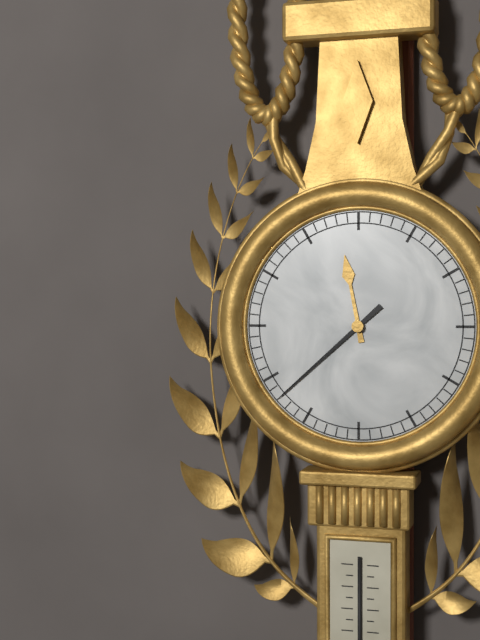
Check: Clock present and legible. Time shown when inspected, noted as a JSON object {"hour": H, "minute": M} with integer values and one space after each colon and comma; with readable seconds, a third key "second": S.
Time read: {"hour": 11, "minute": 38}
